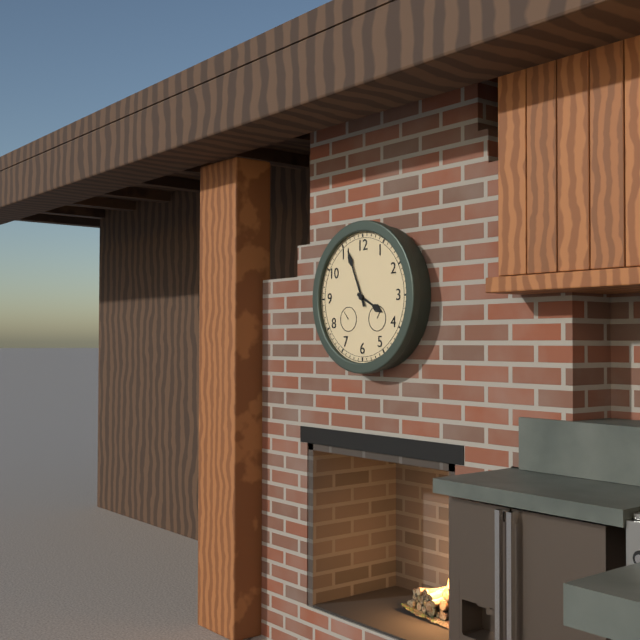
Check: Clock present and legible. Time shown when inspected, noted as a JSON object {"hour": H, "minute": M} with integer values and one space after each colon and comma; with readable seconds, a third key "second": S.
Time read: {"hour": 3, "minute": 56}
